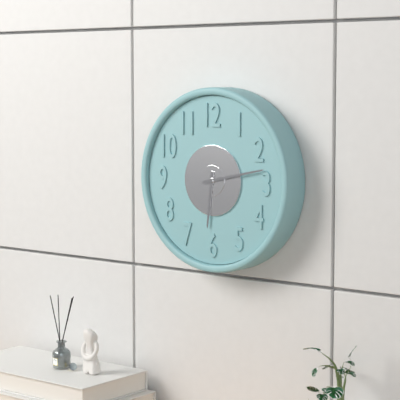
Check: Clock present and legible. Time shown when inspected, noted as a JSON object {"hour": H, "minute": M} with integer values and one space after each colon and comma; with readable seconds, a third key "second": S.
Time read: {"hour": 6, "minute": 13}
